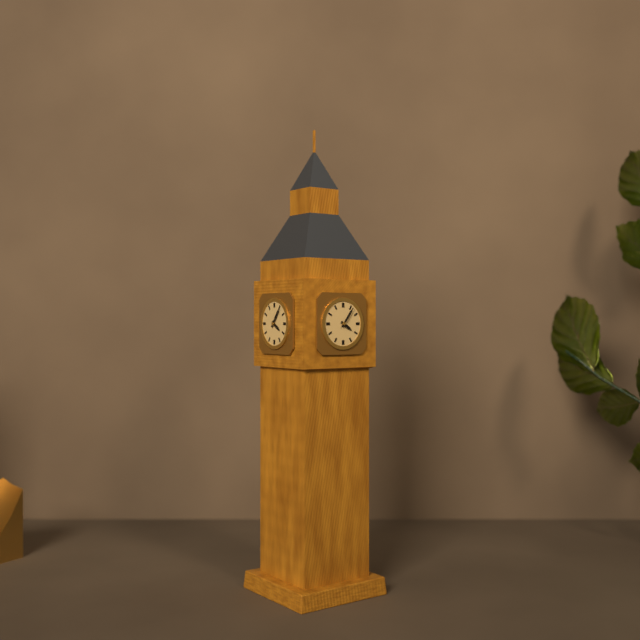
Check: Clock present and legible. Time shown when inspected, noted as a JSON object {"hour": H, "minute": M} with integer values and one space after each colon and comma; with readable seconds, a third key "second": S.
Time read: {"hour": 4, "minute": 6}
